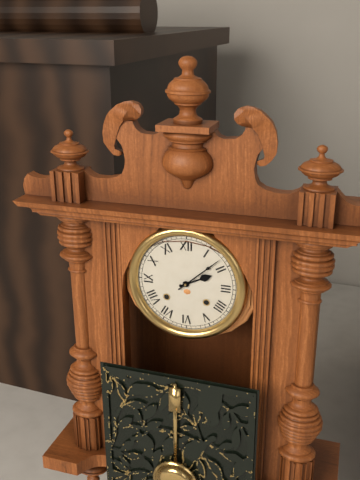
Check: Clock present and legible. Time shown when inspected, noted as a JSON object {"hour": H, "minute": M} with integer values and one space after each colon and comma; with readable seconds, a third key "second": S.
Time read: {"hour": 2, "minute": 8}
